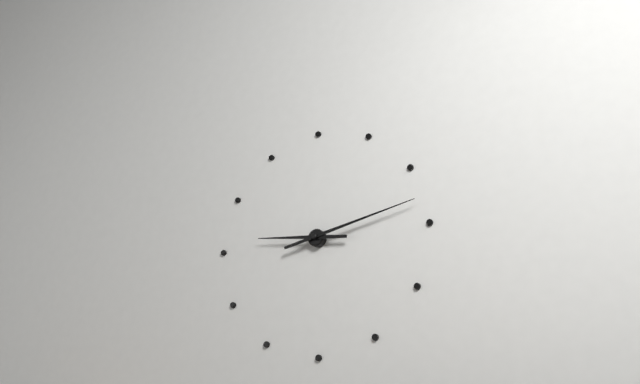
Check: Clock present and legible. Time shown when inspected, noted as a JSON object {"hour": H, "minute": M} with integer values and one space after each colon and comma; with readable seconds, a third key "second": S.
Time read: {"hour": 9, "minute": 13}
